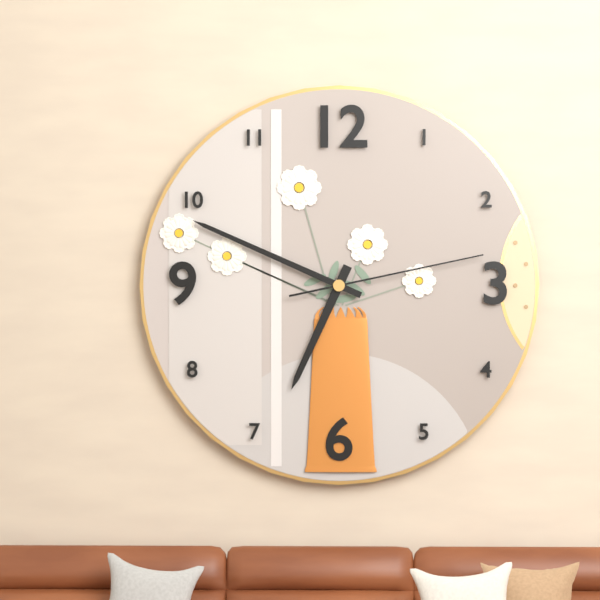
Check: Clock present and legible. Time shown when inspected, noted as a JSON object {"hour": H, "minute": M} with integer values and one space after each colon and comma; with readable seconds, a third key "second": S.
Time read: {"hour": 6, "minute": 49, "second": 13}
